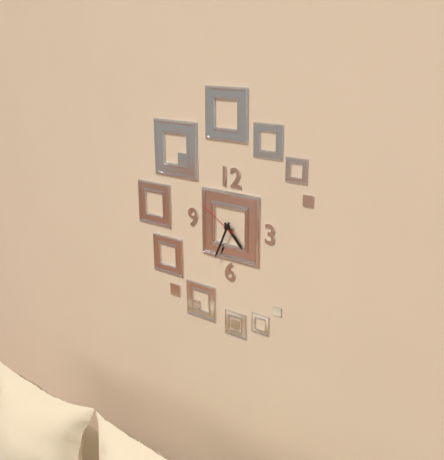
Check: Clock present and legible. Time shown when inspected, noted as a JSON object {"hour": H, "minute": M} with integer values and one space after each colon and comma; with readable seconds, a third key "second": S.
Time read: {"hour": 4, "minute": 34}
